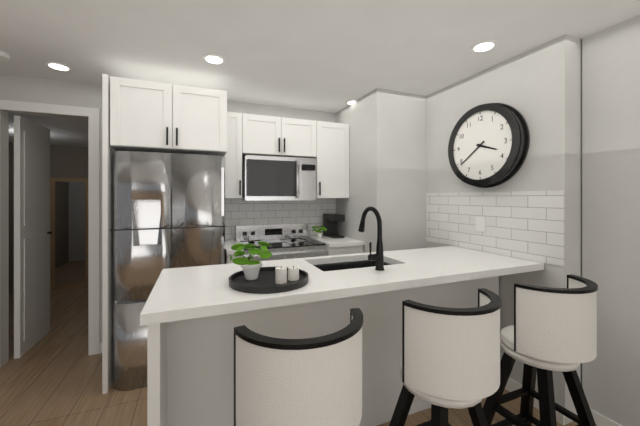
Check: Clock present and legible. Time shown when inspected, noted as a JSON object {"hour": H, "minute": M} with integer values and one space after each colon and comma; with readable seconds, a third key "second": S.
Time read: {"hour": 3, "minute": 39}
